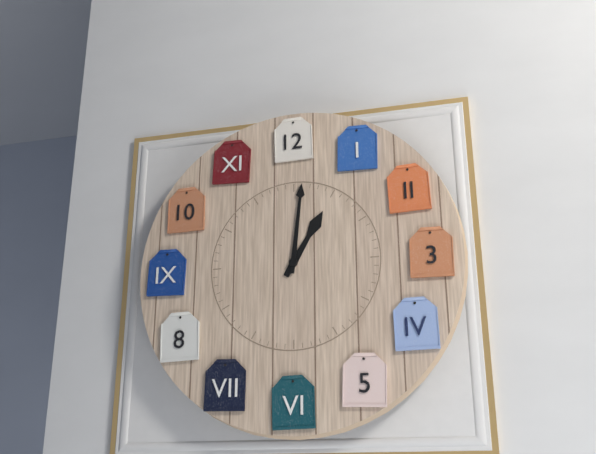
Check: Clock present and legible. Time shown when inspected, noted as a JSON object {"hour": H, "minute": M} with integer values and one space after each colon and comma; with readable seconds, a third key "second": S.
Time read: {"hour": 1, "minute": 1}
